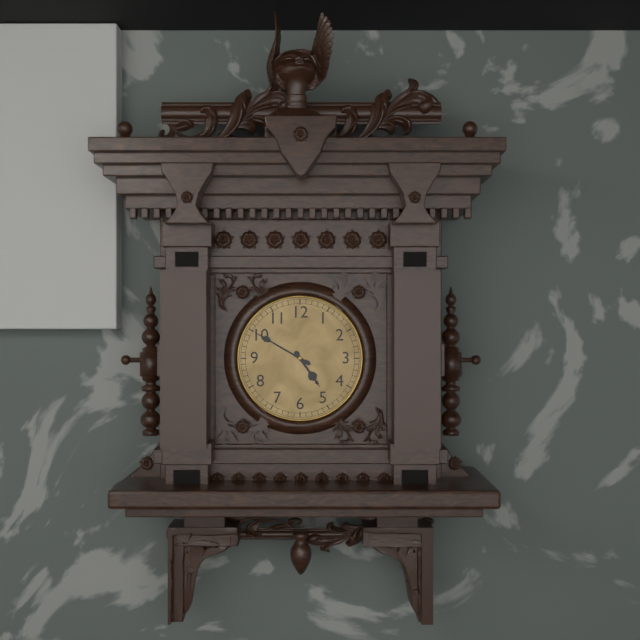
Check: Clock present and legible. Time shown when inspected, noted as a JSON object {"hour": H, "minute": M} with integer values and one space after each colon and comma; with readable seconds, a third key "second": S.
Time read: {"hour": 4, "minute": 50}
